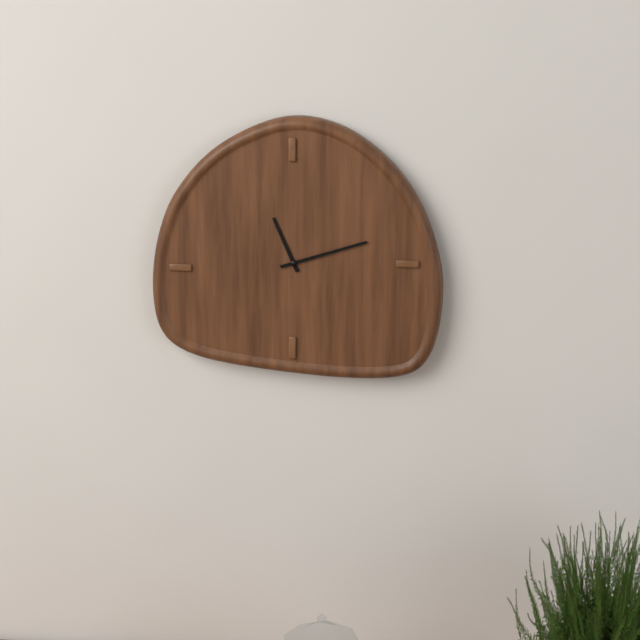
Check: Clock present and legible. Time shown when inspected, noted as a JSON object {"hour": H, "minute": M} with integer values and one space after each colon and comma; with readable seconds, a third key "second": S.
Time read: {"hour": 11, "minute": 12}
